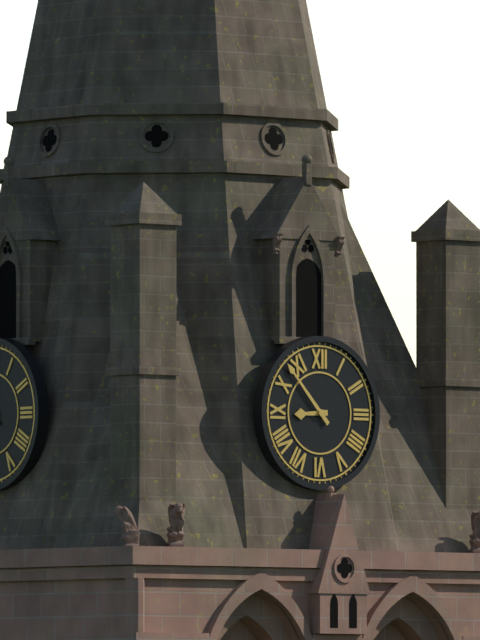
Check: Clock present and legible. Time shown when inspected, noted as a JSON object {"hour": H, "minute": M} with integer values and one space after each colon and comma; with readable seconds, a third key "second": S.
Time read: {"hour": 8, "minute": 53}
